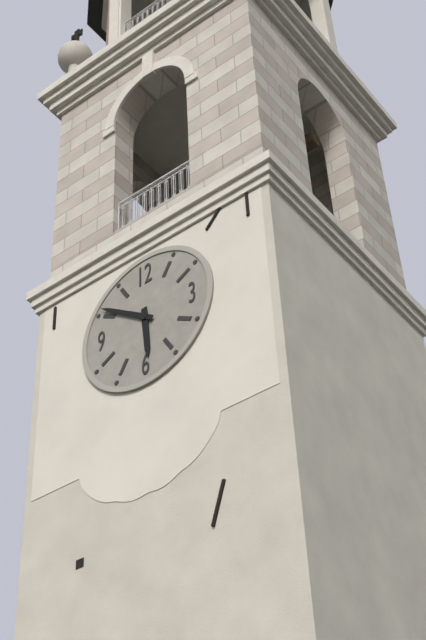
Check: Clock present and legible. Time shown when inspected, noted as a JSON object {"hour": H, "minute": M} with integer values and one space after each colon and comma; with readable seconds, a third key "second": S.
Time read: {"hour": 5, "minute": 51}
